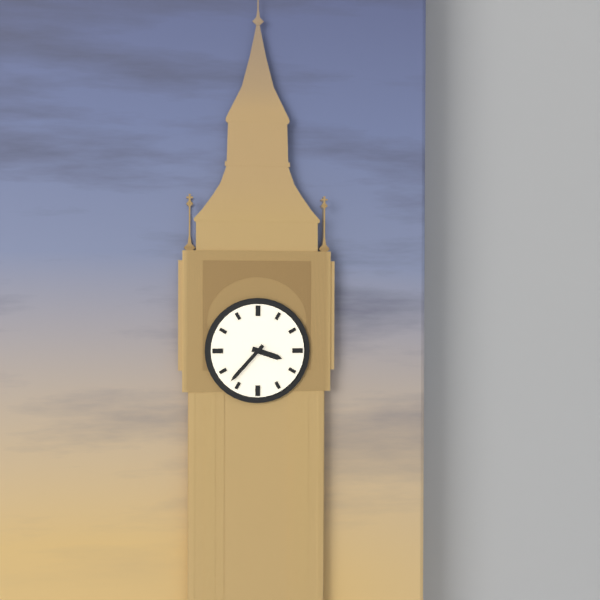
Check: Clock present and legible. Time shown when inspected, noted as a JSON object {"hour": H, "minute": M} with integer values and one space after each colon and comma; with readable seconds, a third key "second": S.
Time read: {"hour": 3, "minute": 37}
